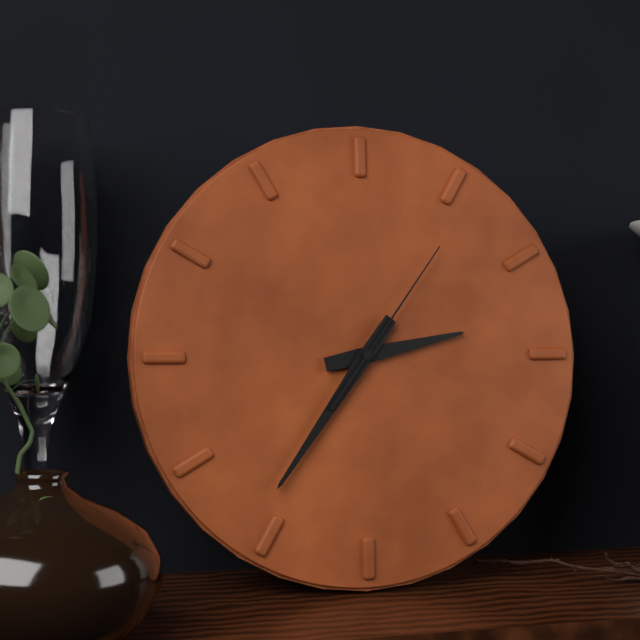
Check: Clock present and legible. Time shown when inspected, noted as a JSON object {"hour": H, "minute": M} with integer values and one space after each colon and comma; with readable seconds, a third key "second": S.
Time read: {"hour": 2, "minute": 36, "second": 6}
